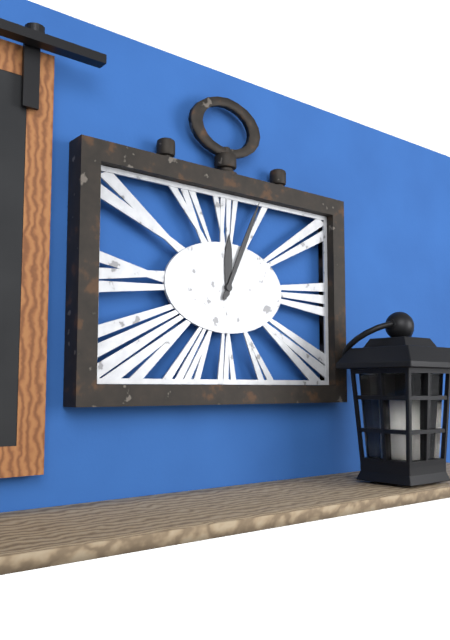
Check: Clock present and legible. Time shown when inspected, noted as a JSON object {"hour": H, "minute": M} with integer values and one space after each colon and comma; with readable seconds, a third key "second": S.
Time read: {"hour": 12, "minute": 4}
